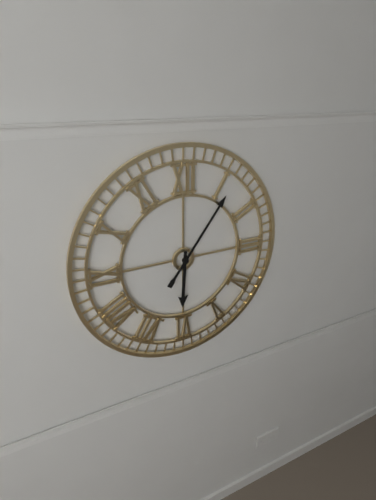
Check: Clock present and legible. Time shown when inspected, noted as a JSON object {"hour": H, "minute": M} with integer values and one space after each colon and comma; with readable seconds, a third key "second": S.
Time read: {"hour": 6, "minute": 6}
